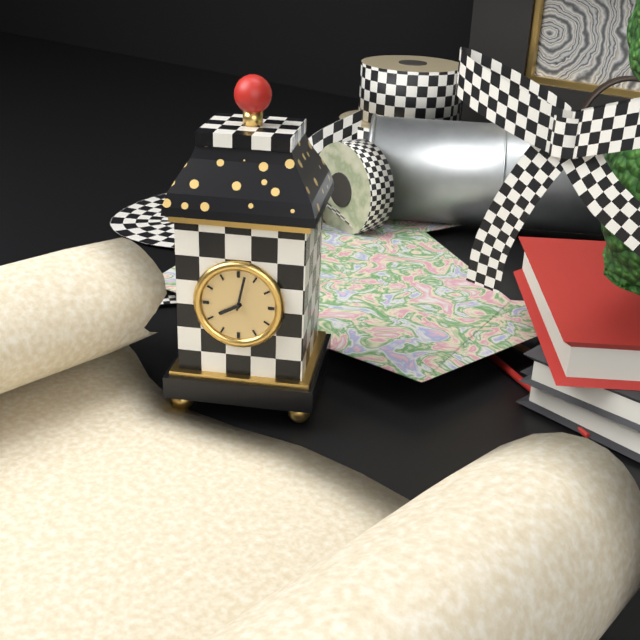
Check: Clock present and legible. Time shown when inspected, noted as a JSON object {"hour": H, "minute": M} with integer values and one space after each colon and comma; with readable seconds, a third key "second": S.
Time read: {"hour": 8, "minute": 2}
